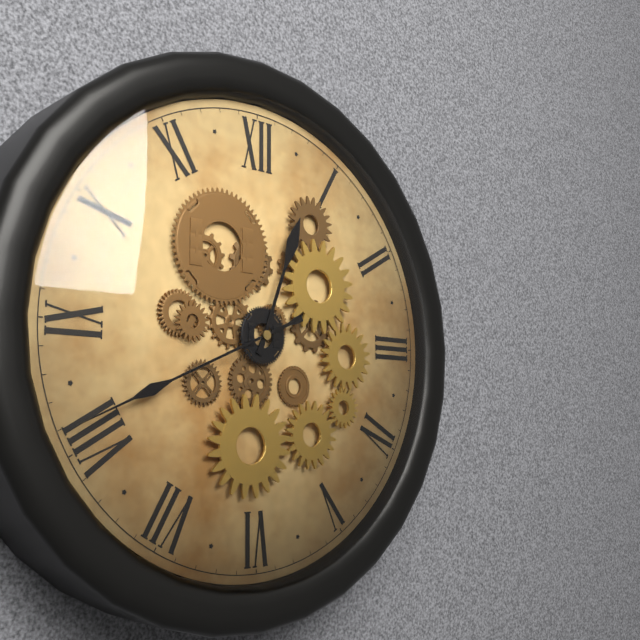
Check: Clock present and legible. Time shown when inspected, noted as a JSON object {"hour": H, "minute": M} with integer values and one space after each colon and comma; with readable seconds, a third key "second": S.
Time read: {"hour": 12, "minute": 41}
